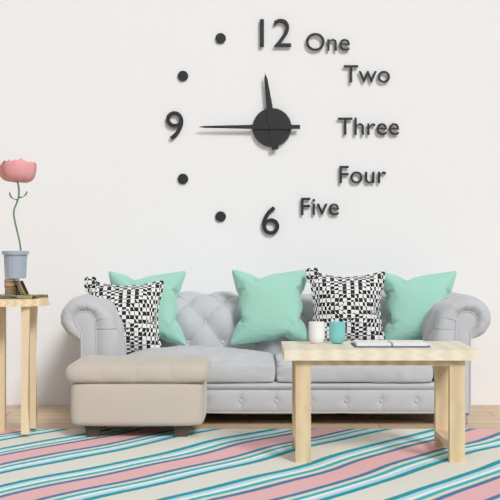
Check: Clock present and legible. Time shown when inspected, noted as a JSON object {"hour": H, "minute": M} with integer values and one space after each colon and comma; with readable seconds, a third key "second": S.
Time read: {"hour": 11, "minute": 45}
